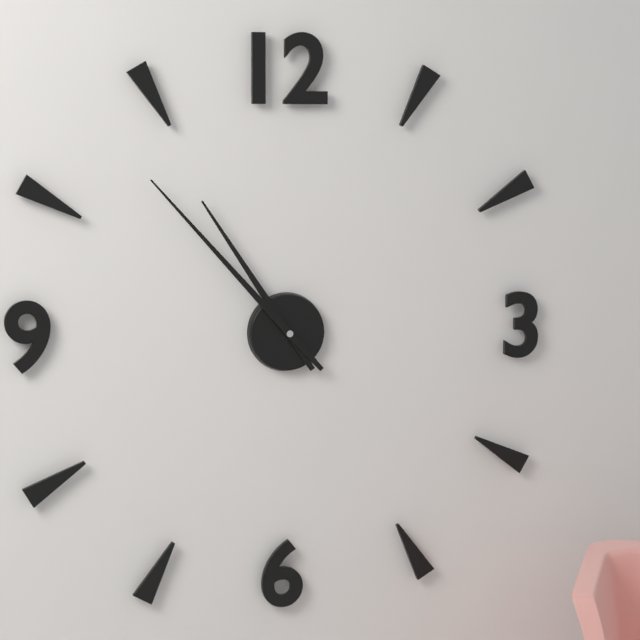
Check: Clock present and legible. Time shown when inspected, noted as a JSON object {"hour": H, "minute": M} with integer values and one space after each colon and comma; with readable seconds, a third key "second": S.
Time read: {"hour": 10, "minute": 53}
